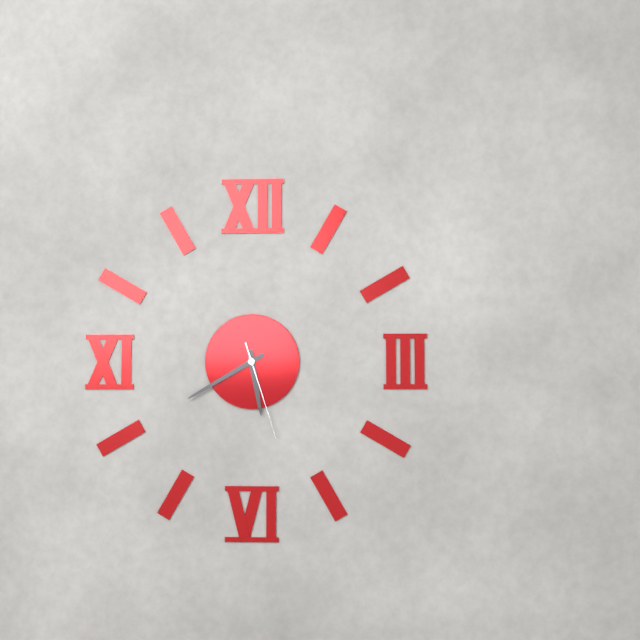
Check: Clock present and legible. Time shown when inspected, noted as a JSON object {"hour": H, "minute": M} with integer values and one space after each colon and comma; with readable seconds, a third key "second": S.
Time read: {"hour": 5, "minute": 40, "second": 27}
